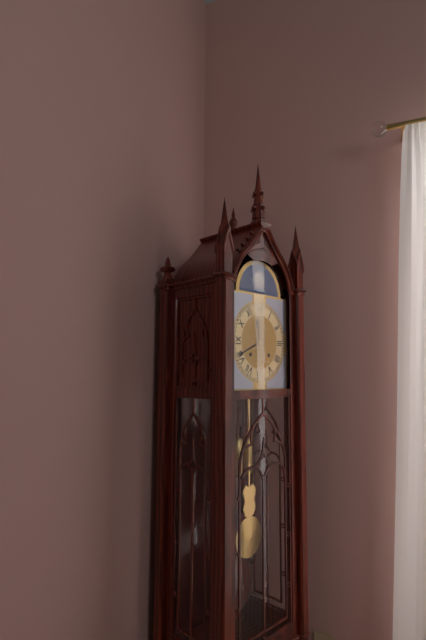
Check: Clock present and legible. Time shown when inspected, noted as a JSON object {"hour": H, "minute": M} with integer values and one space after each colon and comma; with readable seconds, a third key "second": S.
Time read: {"hour": 11, "minute": 41}
